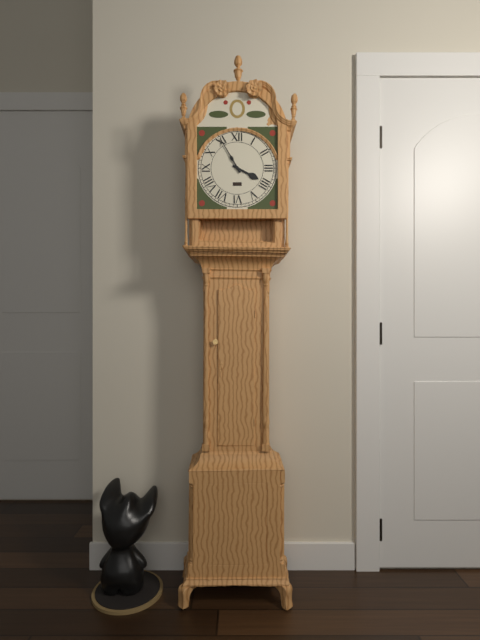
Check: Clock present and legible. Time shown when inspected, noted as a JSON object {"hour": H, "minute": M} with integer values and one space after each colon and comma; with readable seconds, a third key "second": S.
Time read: {"hour": 3, "minute": 55}
